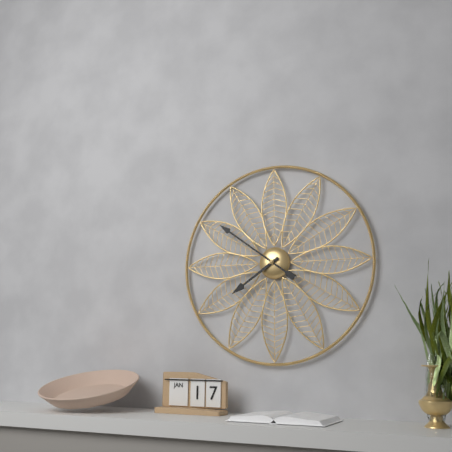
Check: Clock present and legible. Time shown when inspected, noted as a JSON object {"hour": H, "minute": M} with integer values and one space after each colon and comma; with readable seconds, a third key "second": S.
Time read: {"hour": 7, "minute": 51}
